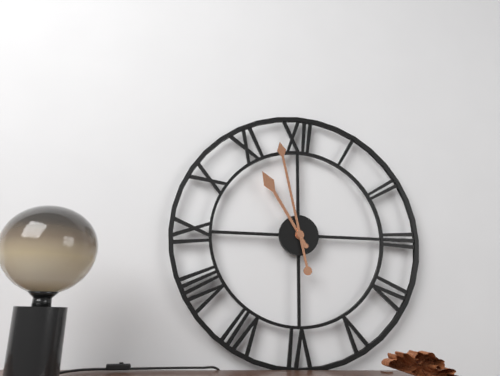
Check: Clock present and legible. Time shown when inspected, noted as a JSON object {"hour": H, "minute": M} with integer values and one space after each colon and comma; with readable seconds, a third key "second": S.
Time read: {"hour": 10, "minute": 58}
